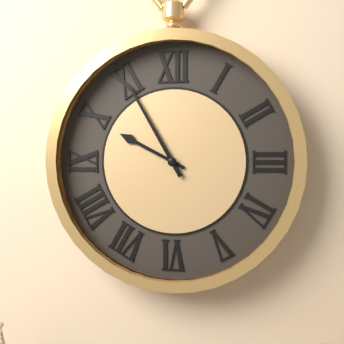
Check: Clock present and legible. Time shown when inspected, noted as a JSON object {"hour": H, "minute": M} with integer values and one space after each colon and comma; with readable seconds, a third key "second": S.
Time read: {"hour": 9, "minute": 55}
